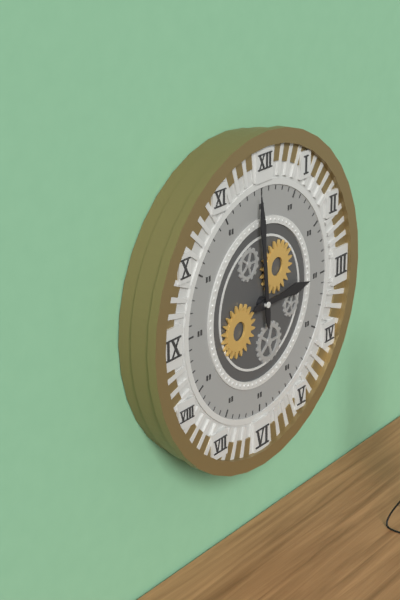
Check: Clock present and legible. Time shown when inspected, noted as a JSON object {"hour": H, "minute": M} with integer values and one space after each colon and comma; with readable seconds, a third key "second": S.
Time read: {"hour": 2, "minute": 59}
